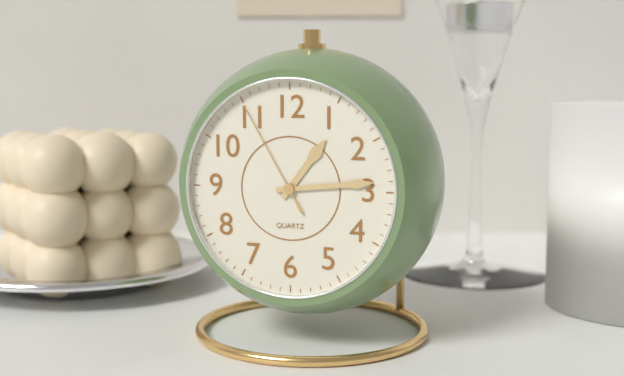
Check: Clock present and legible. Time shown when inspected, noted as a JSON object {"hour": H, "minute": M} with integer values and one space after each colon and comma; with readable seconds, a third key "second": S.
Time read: {"hour": 1, "minute": 14, "second": 55}
